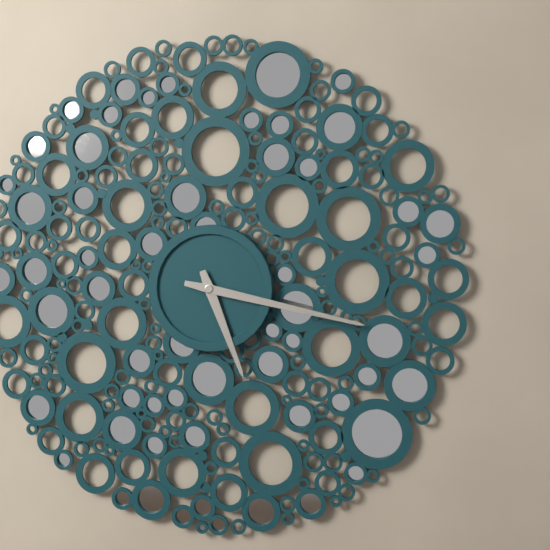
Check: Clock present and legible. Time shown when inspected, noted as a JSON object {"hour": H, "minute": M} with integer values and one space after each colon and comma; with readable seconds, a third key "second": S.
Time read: {"hour": 5, "minute": 17}
